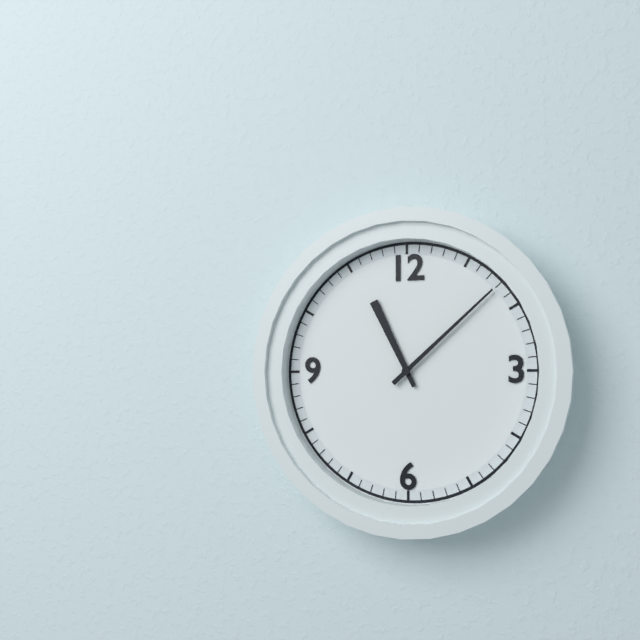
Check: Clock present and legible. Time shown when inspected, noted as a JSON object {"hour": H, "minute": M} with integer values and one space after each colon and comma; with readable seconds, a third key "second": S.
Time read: {"hour": 11, "minute": 8}
